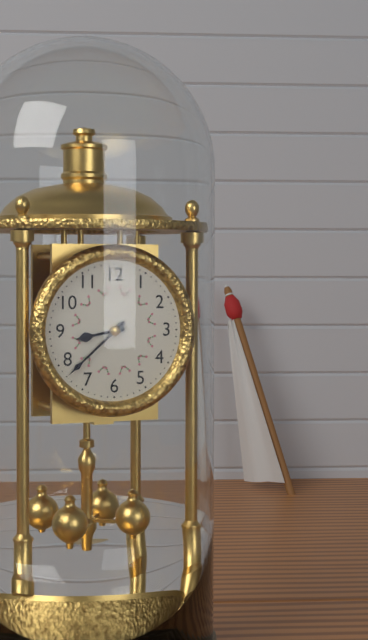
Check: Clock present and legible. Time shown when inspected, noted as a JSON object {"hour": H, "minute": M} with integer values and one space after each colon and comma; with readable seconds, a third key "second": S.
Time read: {"hour": 8, "minute": 38}
